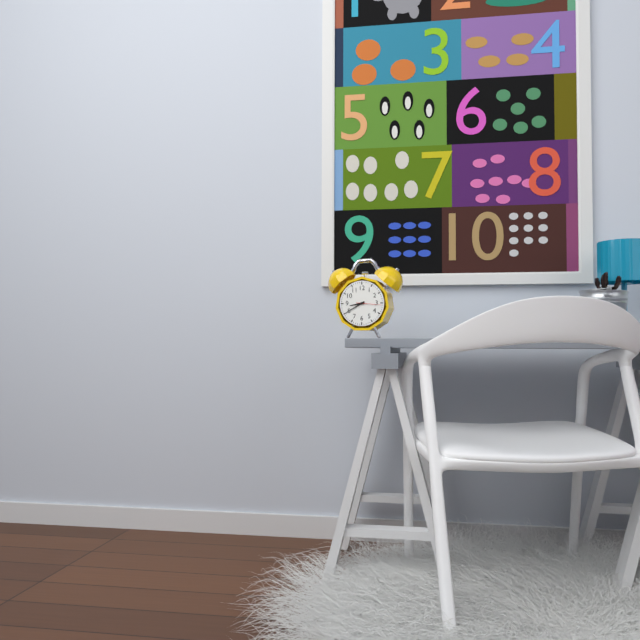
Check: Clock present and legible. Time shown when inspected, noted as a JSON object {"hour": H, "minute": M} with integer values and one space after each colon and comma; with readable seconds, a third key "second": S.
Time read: {"hour": 8, "minute": 40}
